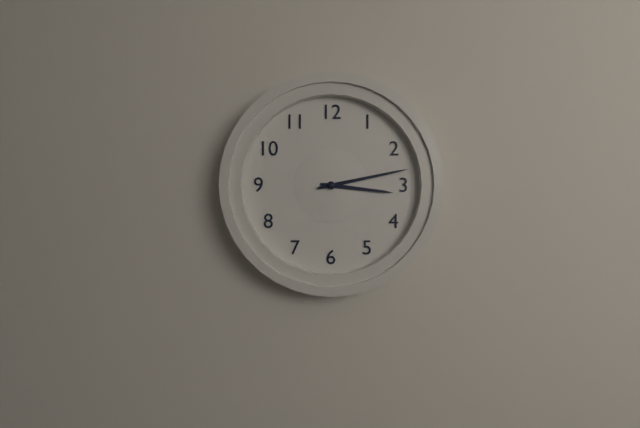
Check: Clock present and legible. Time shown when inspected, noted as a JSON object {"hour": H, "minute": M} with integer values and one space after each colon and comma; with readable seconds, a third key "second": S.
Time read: {"hour": 3, "minute": 13}
